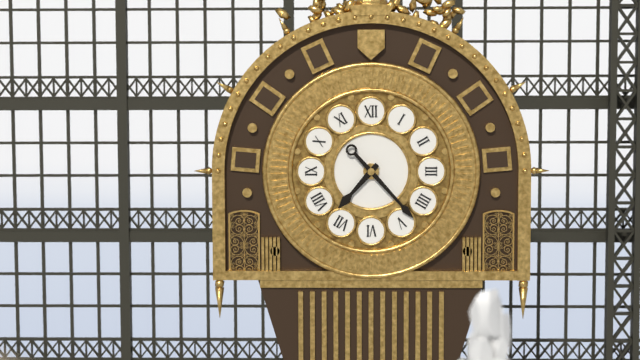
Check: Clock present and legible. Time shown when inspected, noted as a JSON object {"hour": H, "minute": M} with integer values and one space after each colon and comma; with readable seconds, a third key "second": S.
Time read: {"hour": 7, "minute": 23}
